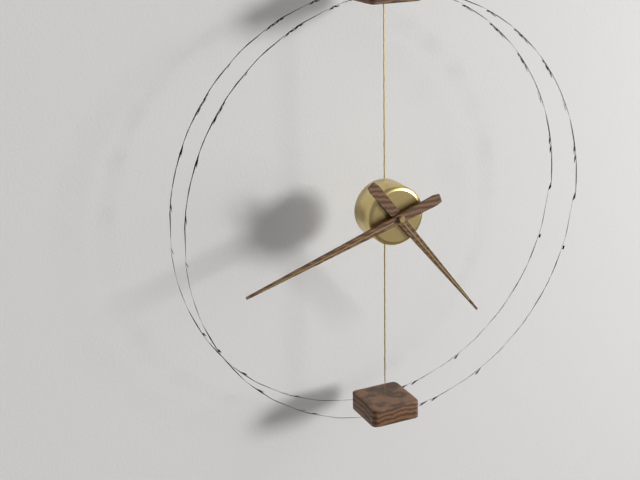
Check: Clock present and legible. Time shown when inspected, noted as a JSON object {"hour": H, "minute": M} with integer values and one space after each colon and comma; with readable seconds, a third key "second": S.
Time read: {"hour": 4, "minute": 42}
